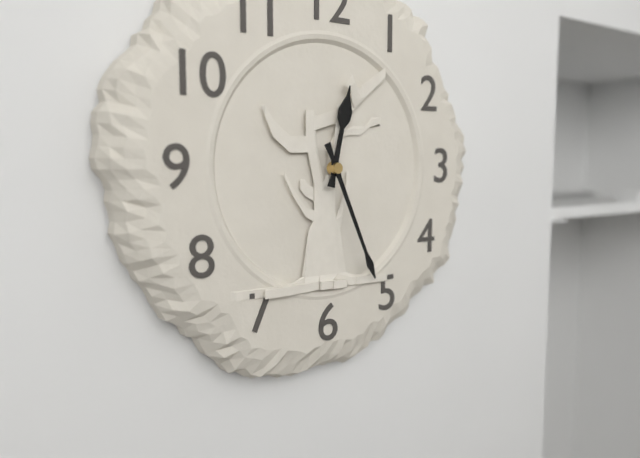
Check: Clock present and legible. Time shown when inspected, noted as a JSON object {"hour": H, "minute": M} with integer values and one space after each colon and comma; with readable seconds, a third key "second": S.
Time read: {"hour": 12, "minute": 26}
